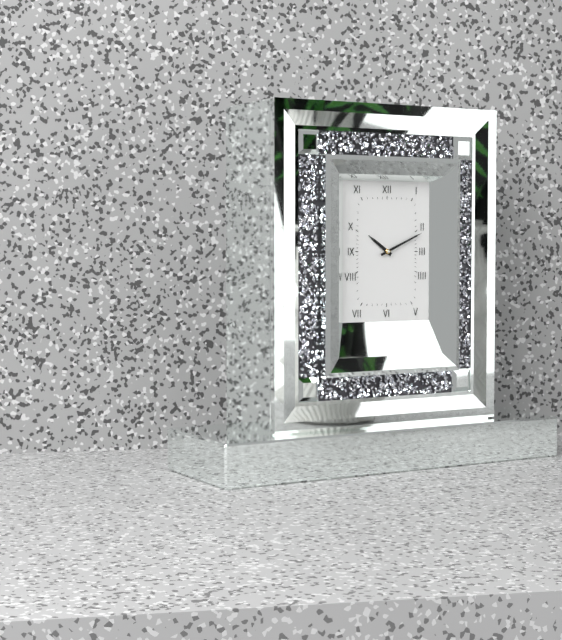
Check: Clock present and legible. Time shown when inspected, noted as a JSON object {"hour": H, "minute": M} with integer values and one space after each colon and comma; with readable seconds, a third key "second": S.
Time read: {"hour": 10, "minute": 11}
